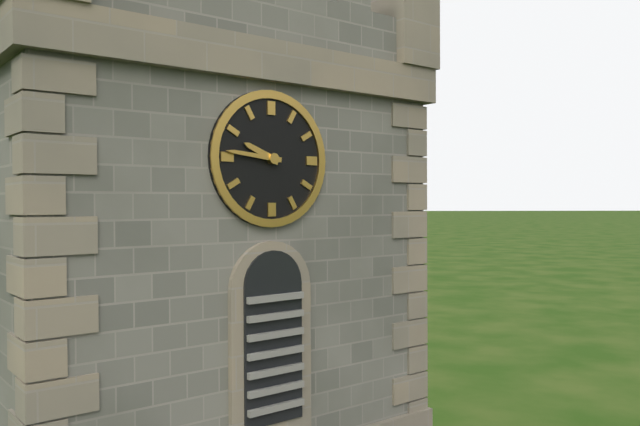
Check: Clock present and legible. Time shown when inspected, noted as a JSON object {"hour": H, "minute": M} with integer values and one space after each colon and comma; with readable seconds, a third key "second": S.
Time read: {"hour": 9, "minute": 46}
